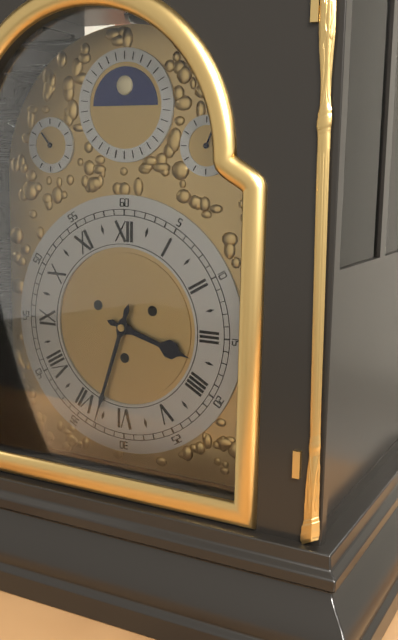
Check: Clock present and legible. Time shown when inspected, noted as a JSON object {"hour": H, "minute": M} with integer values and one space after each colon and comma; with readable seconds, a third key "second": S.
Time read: {"hour": 3, "minute": 33}
